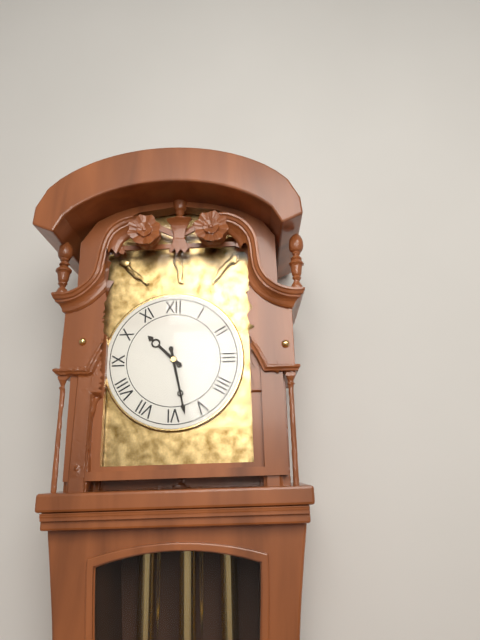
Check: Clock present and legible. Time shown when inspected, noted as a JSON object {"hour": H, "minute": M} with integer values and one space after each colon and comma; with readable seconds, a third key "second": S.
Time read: {"hour": 10, "minute": 28}
